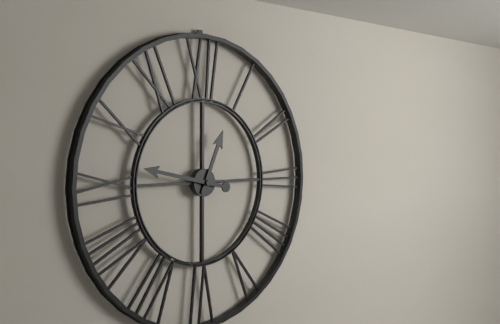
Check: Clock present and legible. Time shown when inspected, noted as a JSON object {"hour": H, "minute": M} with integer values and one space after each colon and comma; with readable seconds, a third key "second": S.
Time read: {"hour": 12, "minute": 47}
